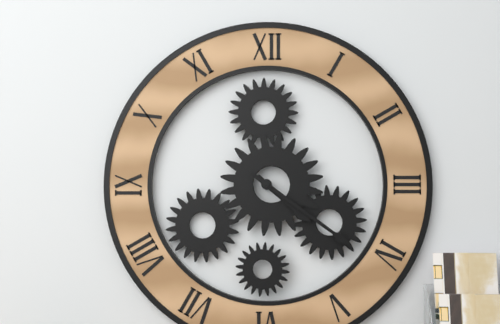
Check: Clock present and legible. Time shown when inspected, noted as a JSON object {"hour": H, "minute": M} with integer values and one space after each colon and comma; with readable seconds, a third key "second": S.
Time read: {"hour": 4, "minute": 21}
